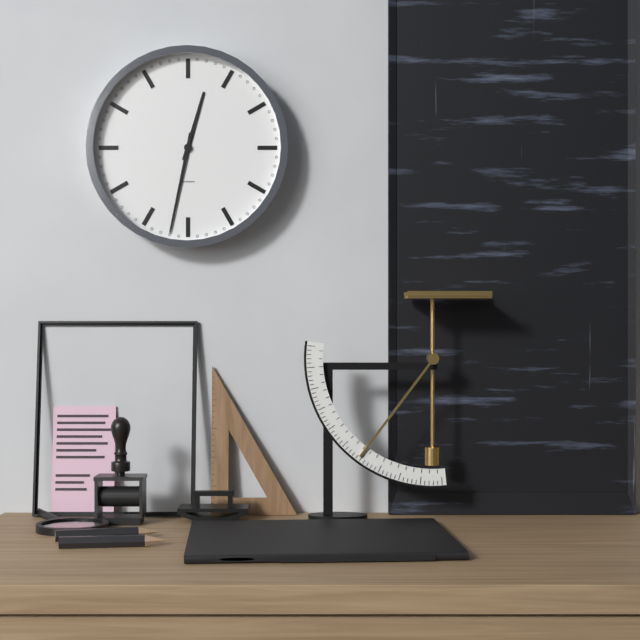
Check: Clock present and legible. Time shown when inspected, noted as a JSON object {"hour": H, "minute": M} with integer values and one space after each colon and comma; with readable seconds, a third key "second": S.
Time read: {"hour": 12, "minute": 32}
